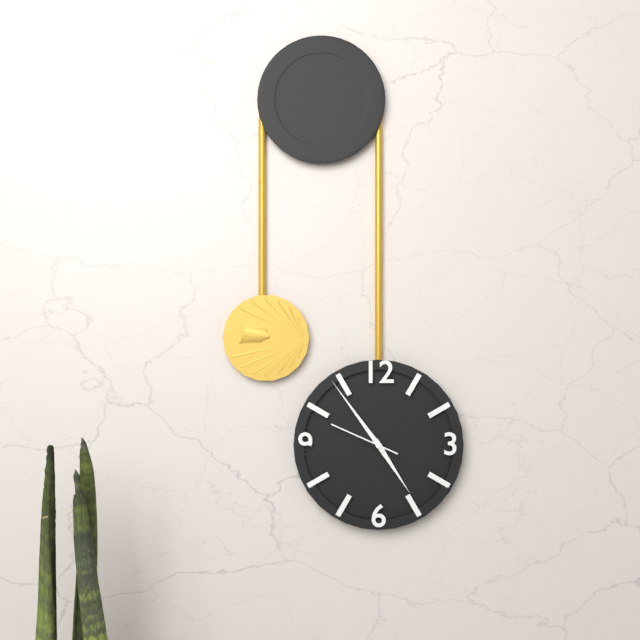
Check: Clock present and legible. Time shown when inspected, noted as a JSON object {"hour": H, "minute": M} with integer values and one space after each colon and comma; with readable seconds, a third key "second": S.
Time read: {"hour": 4, "minute": 54, "second": 49}
